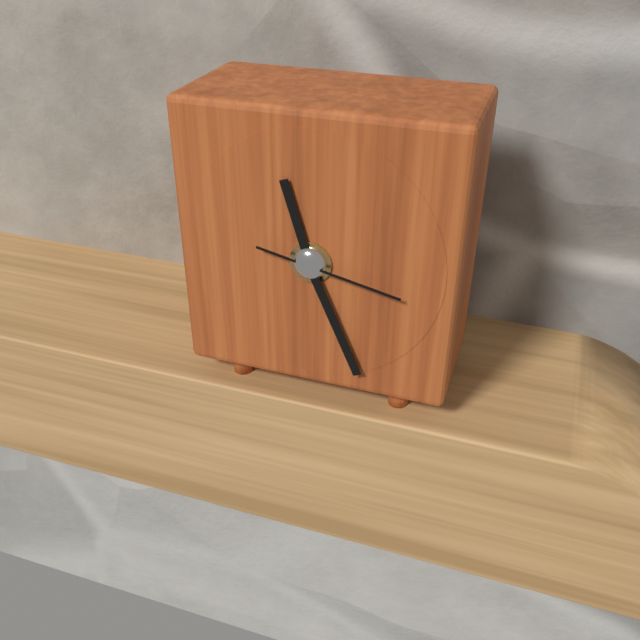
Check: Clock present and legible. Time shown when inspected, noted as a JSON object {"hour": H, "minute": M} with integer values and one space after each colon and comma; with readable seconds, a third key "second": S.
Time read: {"hour": 11, "minute": 26, "second": 17}
